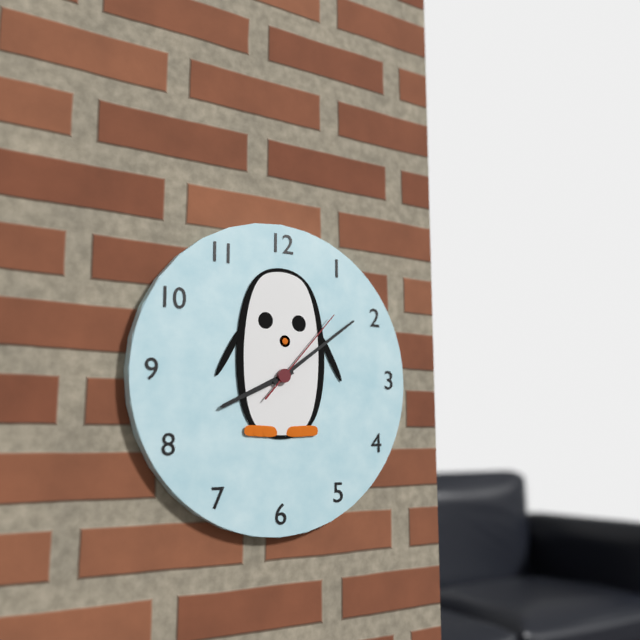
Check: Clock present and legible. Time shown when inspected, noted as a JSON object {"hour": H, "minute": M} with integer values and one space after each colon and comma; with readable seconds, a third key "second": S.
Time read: {"hour": 8, "minute": 9, "second": 7}
